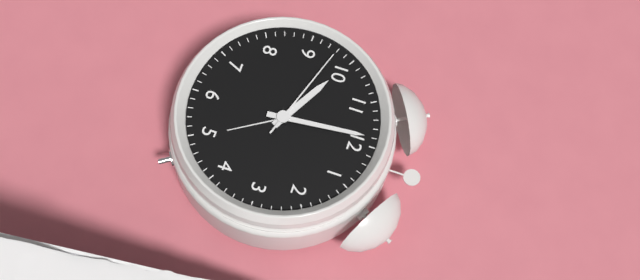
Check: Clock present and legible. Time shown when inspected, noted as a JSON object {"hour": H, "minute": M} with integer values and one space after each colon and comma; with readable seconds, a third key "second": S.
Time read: {"hour": 9, "minute": 59, "second": 48}
